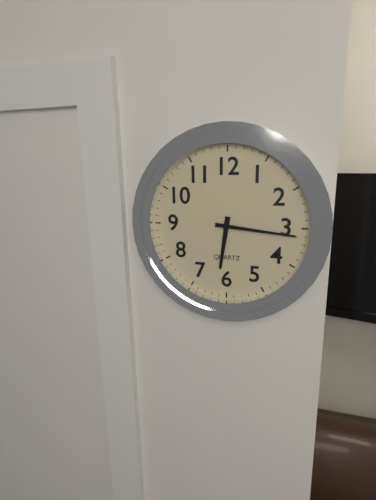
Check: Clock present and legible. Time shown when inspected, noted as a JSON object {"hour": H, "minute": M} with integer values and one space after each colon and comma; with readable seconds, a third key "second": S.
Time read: {"hour": 6, "minute": 16}
